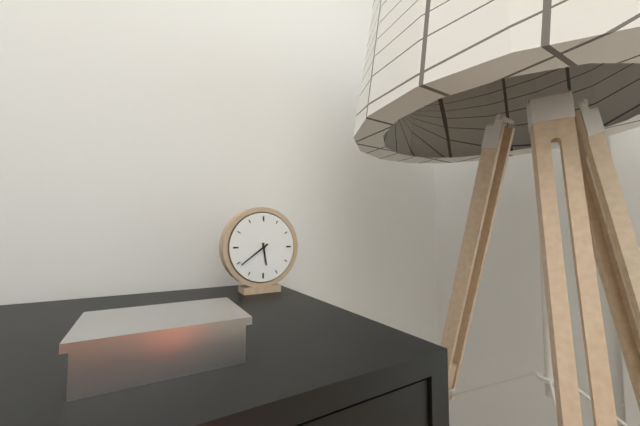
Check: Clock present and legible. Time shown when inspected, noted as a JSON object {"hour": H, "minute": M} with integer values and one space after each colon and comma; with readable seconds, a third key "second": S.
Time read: {"hour": 5, "minute": 39}
